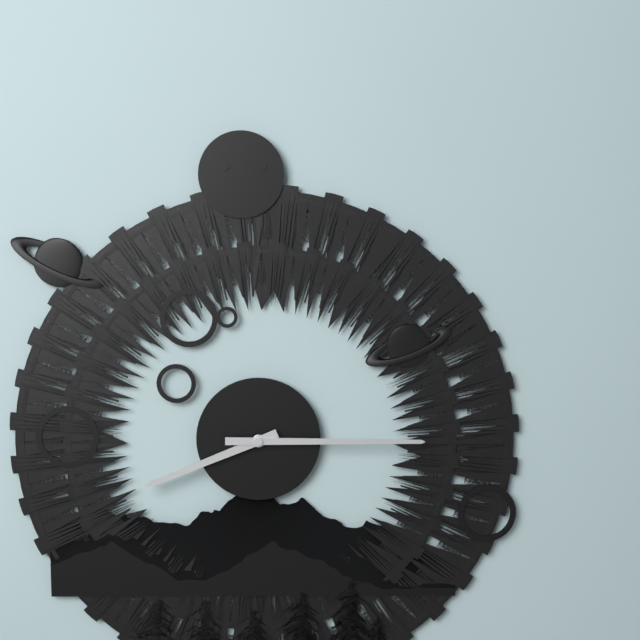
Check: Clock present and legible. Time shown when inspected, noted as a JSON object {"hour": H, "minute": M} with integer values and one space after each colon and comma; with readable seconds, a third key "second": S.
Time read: {"hour": 8, "minute": 15}
